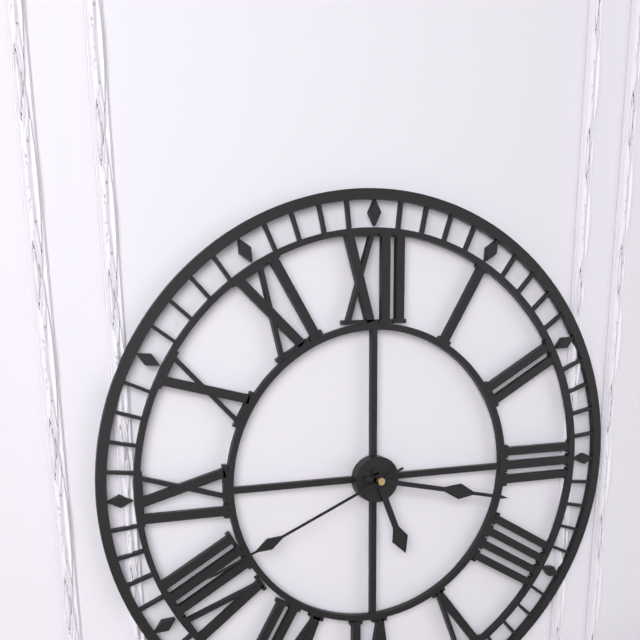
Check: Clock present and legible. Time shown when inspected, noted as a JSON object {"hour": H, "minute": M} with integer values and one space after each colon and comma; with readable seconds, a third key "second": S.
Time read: {"hour": 5, "minute": 17, "second": 41}
